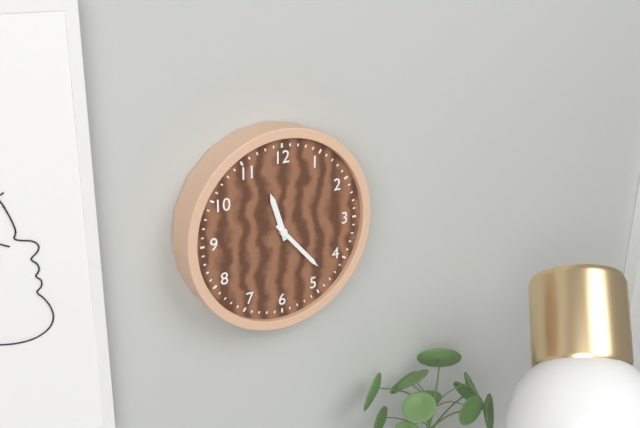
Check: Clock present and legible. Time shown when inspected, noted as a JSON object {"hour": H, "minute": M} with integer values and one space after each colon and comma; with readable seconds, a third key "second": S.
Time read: {"hour": 11, "minute": 23}
